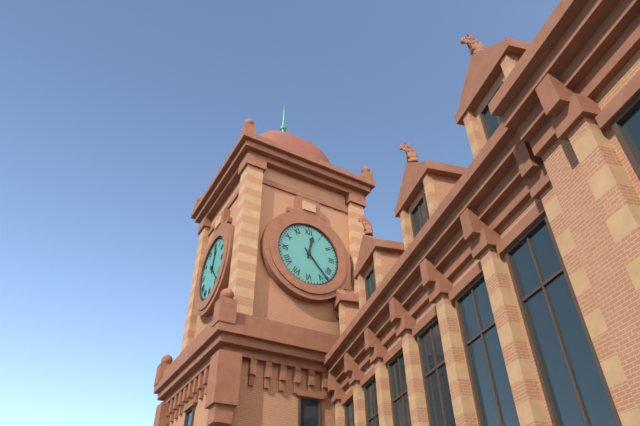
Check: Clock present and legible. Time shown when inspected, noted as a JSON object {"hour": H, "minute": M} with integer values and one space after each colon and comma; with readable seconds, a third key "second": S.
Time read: {"hour": 12, "minute": 23}
